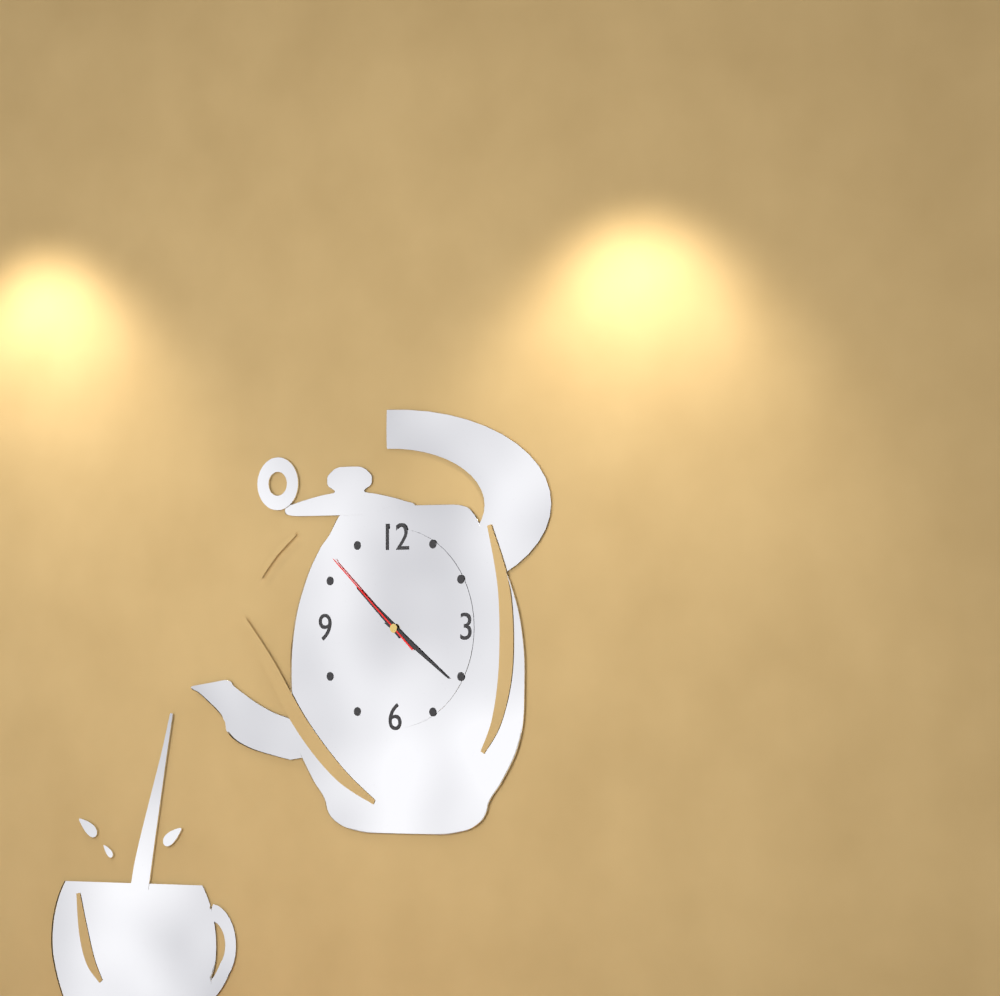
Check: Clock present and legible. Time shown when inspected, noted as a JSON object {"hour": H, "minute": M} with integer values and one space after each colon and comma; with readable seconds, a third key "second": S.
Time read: {"hour": 10, "minute": 21, "second": 52}
